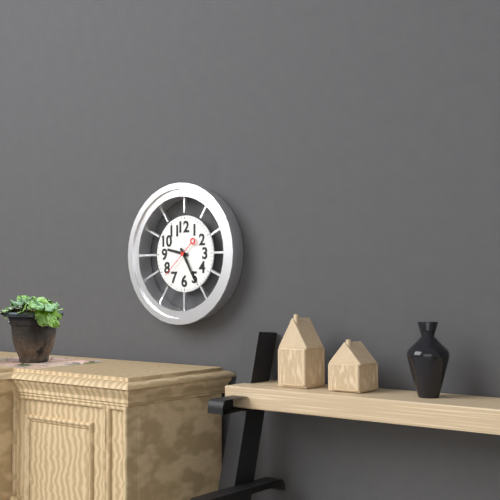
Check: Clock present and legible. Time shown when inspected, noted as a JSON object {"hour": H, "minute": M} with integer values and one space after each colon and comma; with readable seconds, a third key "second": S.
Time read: {"hour": 9, "minute": 25}
